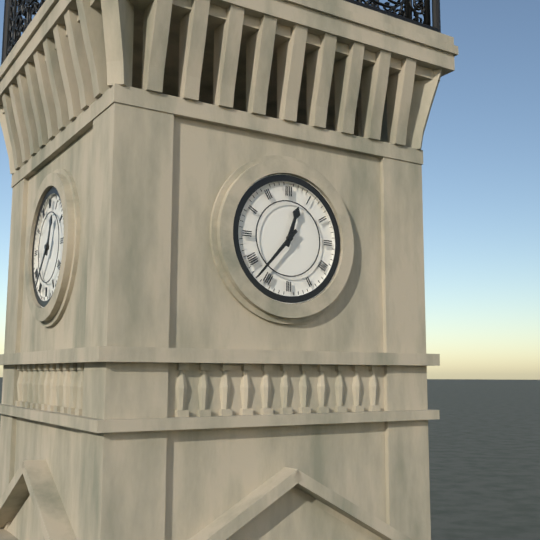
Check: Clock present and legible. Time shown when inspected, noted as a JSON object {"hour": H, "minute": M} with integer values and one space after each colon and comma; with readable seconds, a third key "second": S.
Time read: {"hour": 12, "minute": 37}
